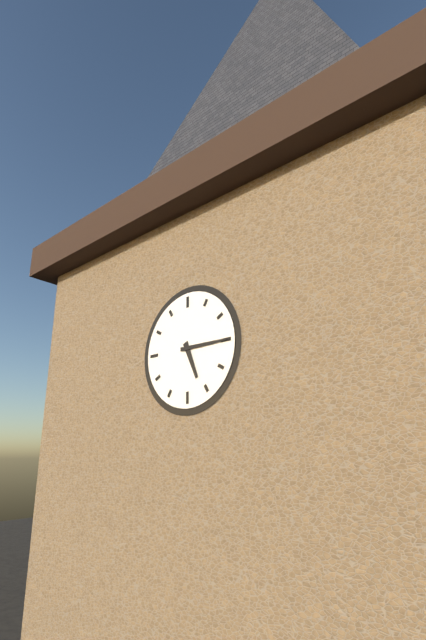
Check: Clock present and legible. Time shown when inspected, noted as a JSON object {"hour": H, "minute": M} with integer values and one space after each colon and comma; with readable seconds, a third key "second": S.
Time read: {"hour": 5, "minute": 15}
